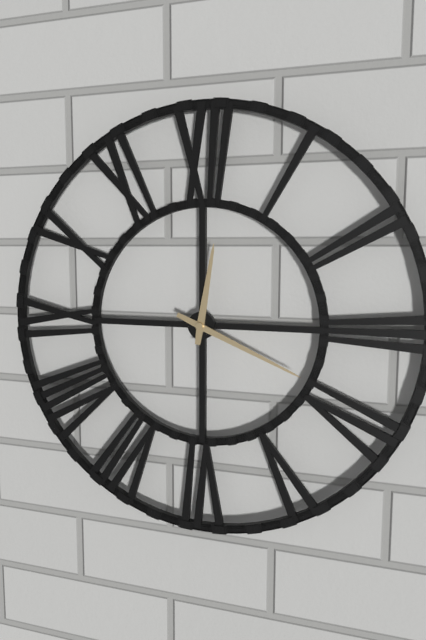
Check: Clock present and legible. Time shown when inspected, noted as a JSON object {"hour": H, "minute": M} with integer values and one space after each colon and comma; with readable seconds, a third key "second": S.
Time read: {"hour": 12, "minute": 19}
